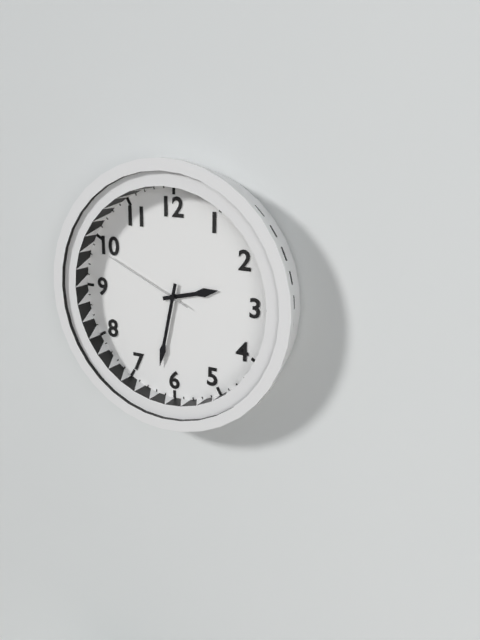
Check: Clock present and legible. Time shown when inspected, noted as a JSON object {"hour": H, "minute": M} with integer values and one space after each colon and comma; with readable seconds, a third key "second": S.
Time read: {"hour": 2, "minute": 32, "second": 49}
